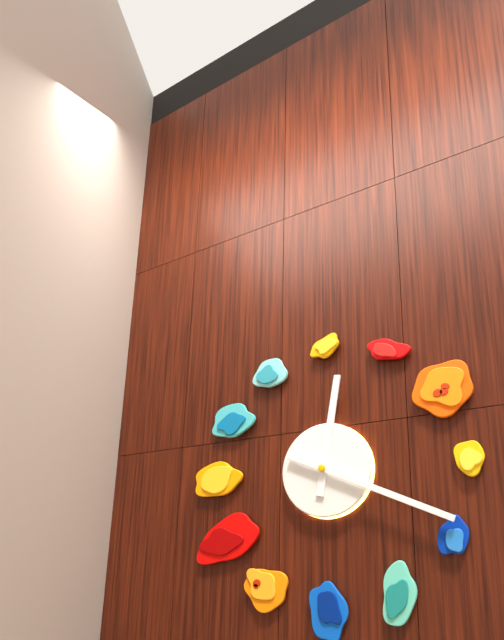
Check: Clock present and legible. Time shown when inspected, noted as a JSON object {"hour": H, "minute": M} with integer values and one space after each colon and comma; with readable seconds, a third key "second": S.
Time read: {"hour": 12, "minute": 19}
